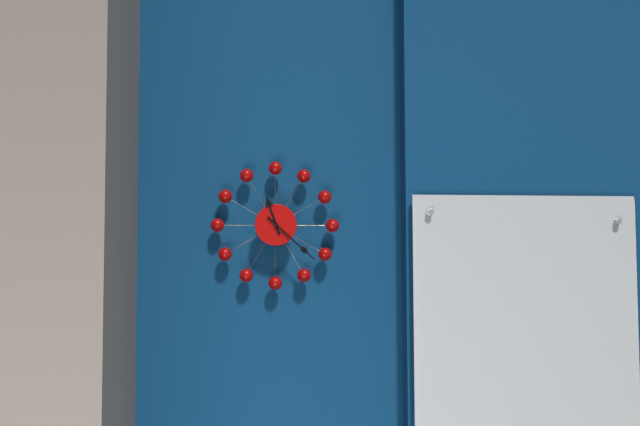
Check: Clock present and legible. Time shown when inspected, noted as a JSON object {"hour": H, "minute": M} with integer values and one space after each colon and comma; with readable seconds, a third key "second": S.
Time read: {"hour": 11, "minute": 22}
